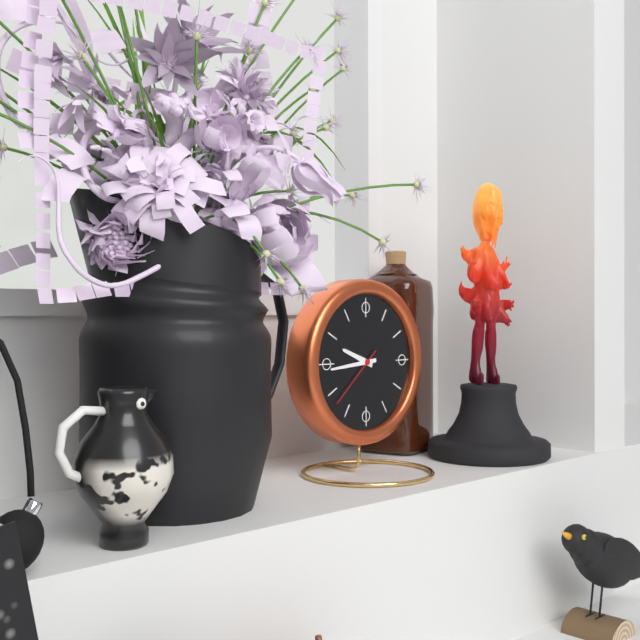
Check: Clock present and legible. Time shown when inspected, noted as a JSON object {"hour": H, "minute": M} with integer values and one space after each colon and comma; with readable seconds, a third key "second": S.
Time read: {"hour": 9, "minute": 44, "second": 38}
